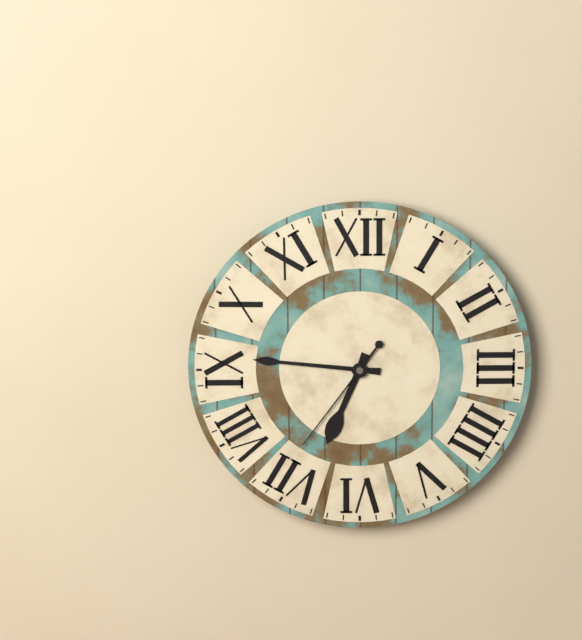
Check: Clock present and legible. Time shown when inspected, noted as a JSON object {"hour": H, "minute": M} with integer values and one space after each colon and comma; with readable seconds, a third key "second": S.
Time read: {"hour": 6, "minute": 46, "second": 36}
